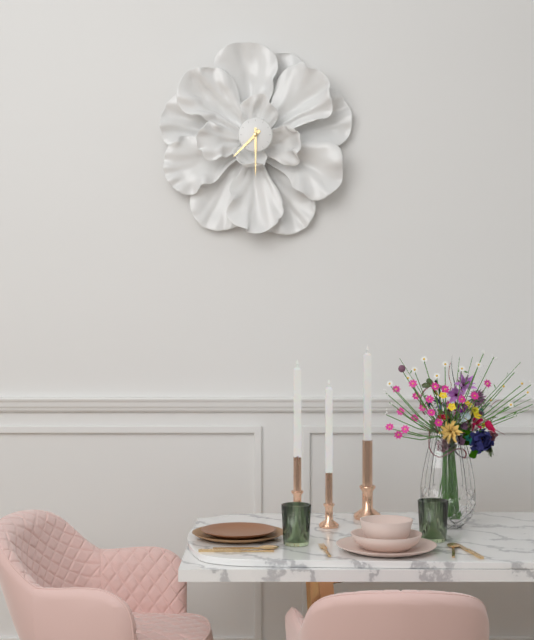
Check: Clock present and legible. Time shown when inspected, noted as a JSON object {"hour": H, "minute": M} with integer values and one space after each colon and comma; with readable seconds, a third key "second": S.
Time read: {"hour": 7, "minute": 30}
